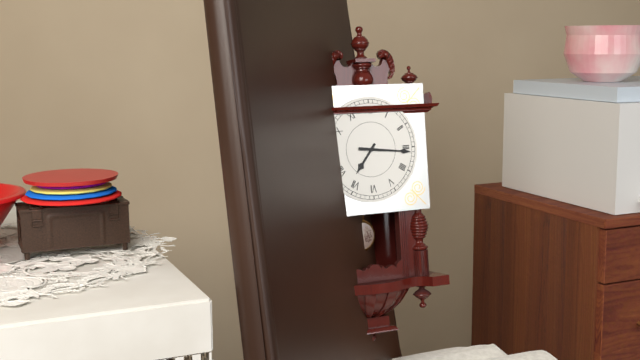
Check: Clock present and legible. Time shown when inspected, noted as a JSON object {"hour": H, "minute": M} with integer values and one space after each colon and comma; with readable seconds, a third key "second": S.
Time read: {"hour": 7, "minute": 16}
